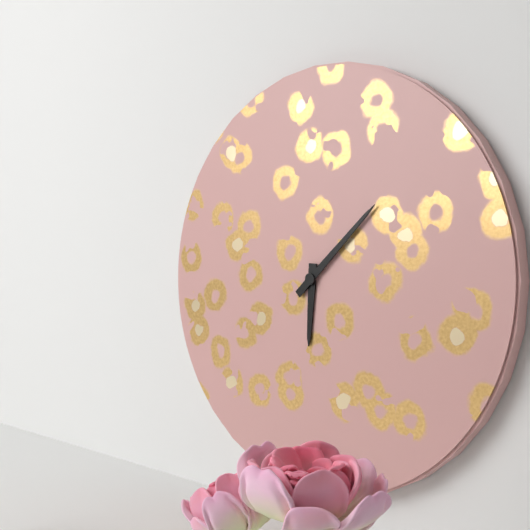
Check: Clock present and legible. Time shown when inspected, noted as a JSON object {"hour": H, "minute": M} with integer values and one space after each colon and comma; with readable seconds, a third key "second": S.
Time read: {"hour": 6, "minute": 8}
